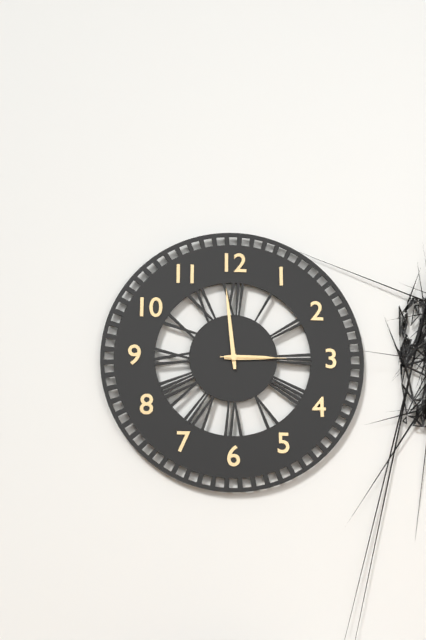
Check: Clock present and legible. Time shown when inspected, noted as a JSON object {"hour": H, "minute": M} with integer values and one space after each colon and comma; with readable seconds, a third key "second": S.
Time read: {"hour": 2, "minute": 59, "second": 15}
